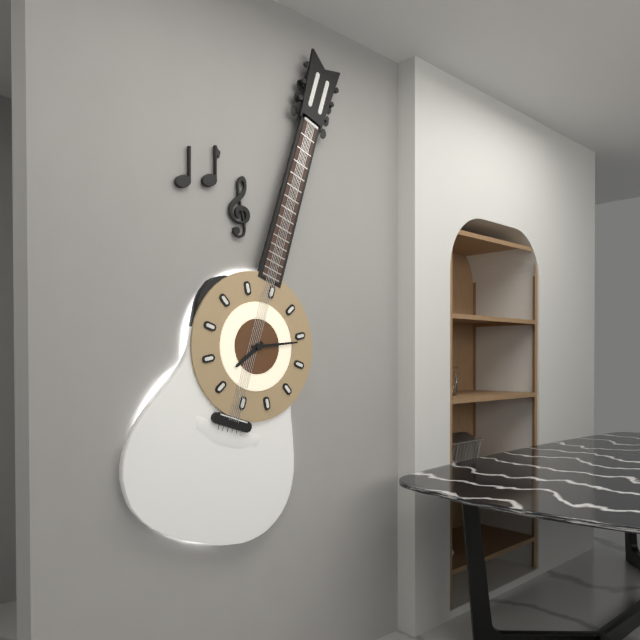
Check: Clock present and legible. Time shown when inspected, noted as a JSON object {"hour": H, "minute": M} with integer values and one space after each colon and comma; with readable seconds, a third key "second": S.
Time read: {"hour": 7, "minute": 11}
